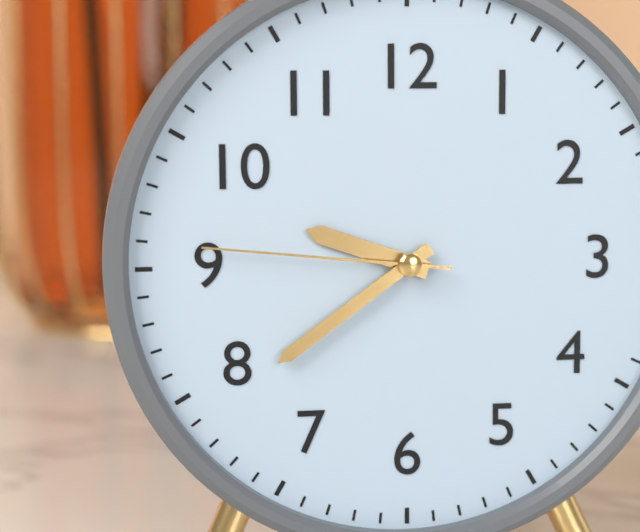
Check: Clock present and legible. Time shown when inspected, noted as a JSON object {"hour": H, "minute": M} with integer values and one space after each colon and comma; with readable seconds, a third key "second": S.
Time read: {"hour": 9, "minute": 39, "second": 46}
